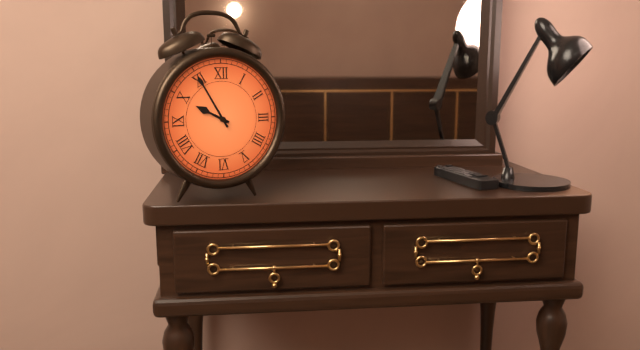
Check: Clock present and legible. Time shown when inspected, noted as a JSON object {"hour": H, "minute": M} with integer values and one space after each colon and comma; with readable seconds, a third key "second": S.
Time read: {"hour": 9, "minute": 55}
